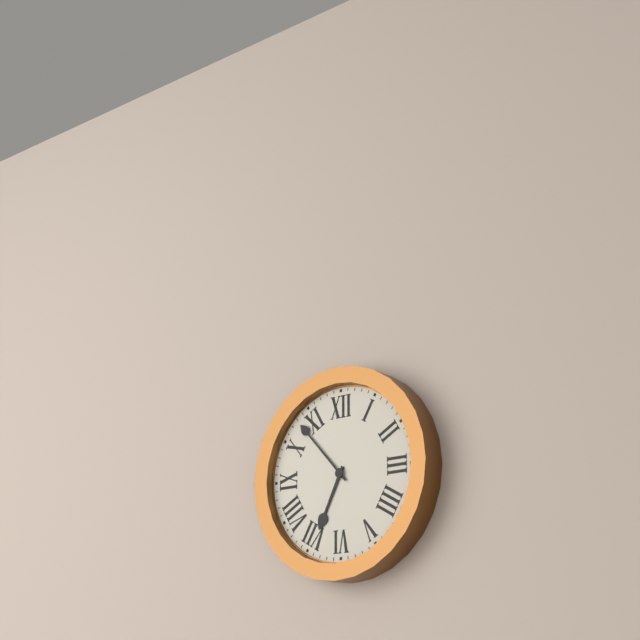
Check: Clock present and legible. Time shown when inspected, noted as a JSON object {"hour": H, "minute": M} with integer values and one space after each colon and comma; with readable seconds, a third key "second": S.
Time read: {"hour": 6, "minute": 53}
